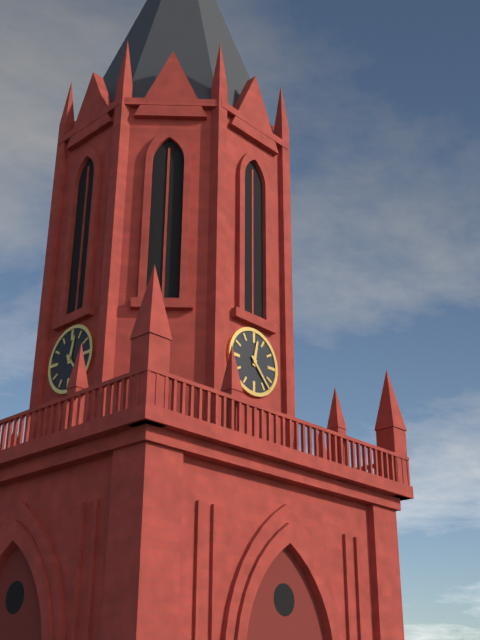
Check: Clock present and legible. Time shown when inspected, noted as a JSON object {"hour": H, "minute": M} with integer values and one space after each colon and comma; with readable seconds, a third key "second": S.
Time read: {"hour": 12, "minute": 23}
